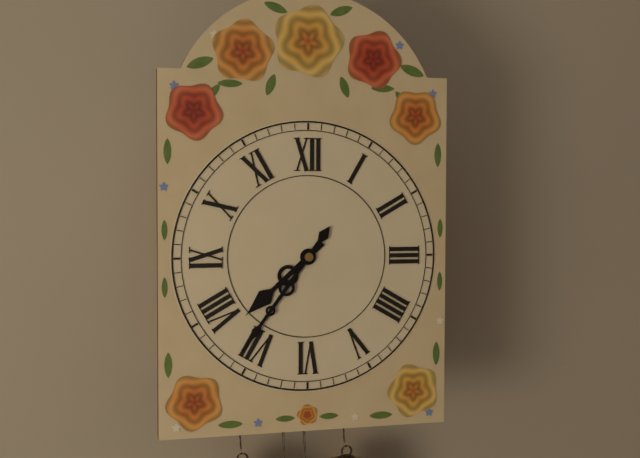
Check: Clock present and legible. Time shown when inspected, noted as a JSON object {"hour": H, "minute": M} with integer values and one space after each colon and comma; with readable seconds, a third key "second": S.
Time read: {"hour": 7, "minute": 36}
